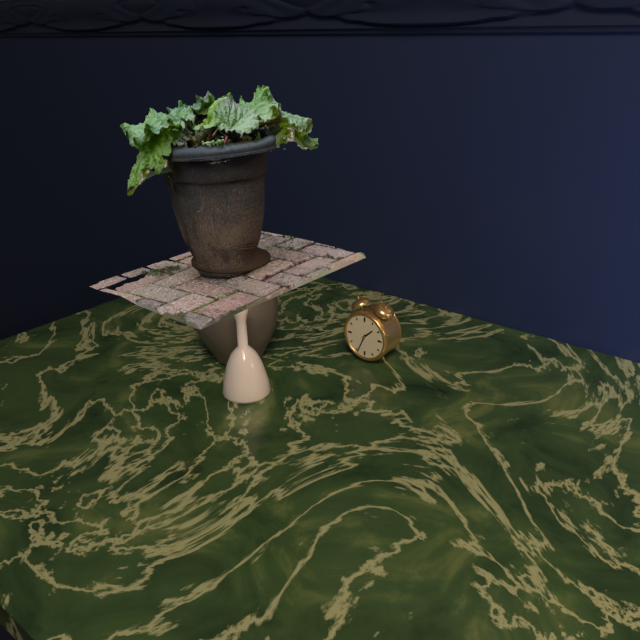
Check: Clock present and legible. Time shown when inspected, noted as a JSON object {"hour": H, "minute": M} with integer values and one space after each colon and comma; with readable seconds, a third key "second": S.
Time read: {"hour": 1, "minute": 34}
